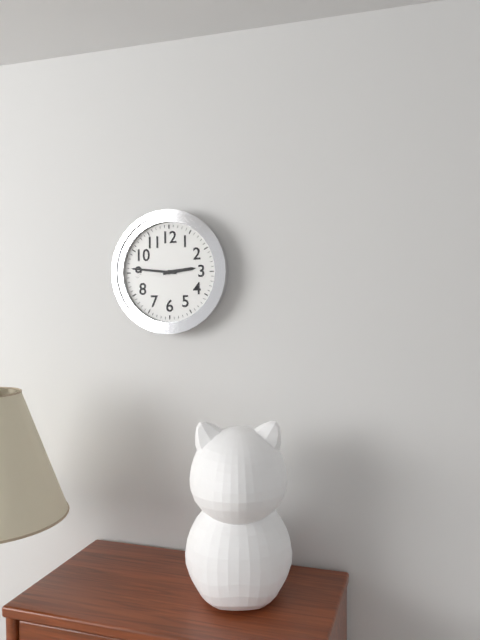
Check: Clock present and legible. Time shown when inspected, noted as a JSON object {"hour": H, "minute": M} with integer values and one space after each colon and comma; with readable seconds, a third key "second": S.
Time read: {"hour": 2, "minute": 46}
